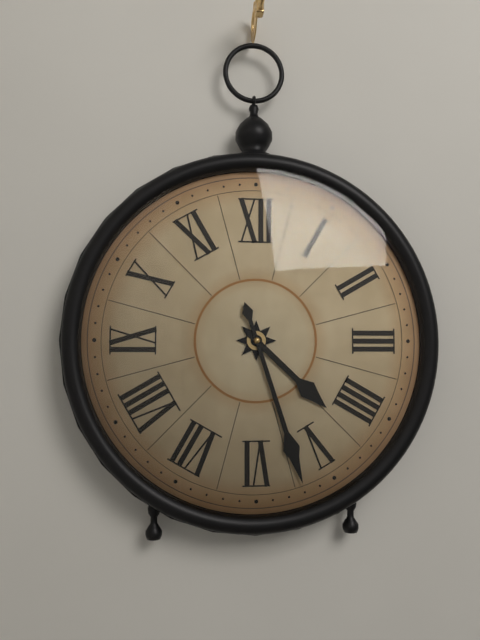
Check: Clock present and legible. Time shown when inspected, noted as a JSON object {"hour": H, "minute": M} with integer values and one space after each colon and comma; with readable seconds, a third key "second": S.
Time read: {"hour": 4, "minute": 27}
